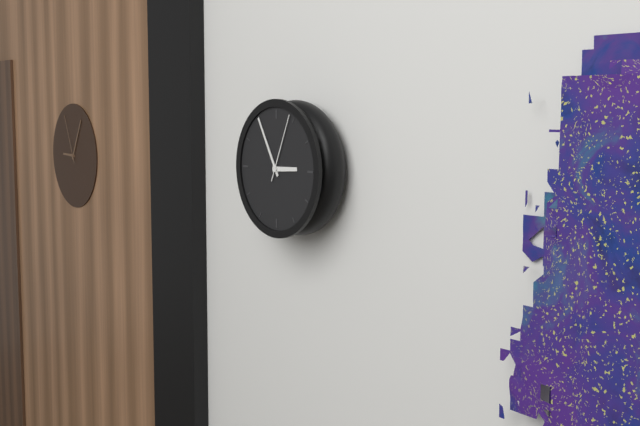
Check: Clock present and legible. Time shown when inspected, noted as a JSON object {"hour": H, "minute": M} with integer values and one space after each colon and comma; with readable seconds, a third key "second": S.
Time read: {"hour": 2, "minute": 55, "second": 4}
